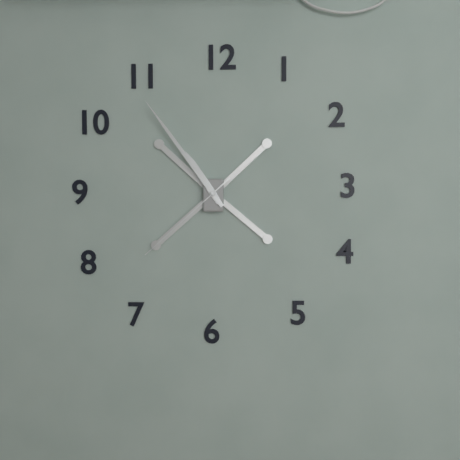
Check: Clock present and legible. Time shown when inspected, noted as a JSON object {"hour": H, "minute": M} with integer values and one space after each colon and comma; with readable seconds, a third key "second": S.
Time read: {"hour": 10, "minute": 54, "second": 38}
